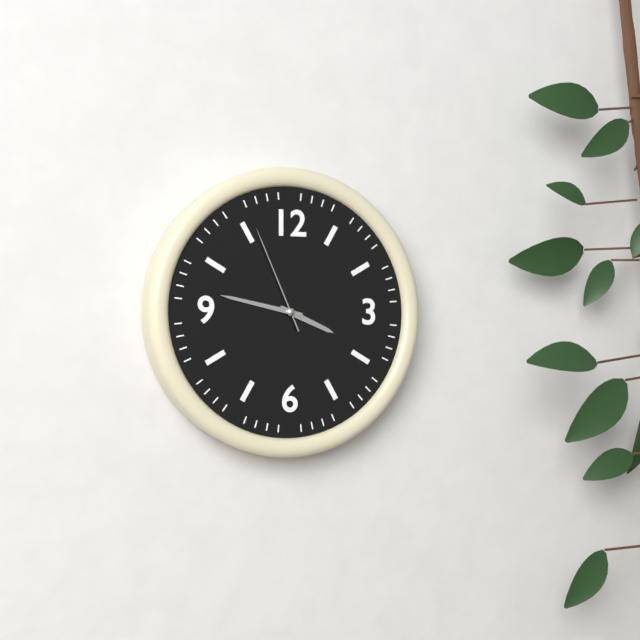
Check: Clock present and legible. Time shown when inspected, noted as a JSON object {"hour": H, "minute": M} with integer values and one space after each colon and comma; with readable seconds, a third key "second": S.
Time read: {"hour": 3, "minute": 47, "second": 56}
